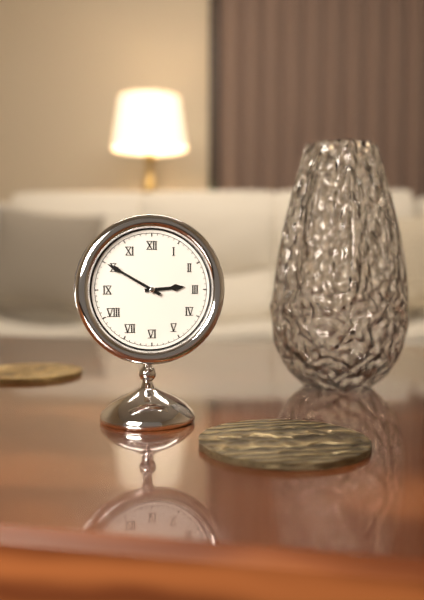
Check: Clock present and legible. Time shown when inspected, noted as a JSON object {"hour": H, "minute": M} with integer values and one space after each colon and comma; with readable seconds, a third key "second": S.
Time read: {"hour": 2, "minute": 50}
